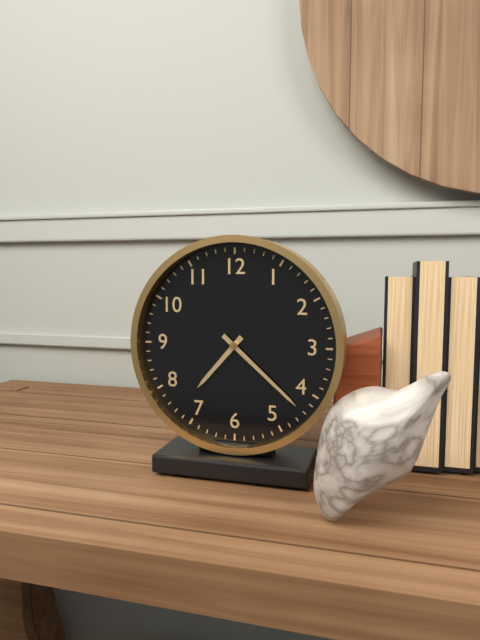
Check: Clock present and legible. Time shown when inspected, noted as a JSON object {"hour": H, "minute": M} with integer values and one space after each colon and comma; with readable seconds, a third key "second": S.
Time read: {"hour": 7, "minute": 22}
